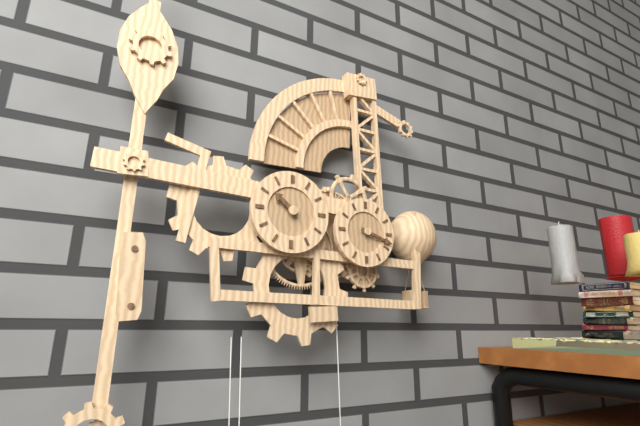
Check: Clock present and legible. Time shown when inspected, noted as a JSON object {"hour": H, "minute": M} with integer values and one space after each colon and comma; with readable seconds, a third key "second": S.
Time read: {"hour": 10, "minute": 18}
